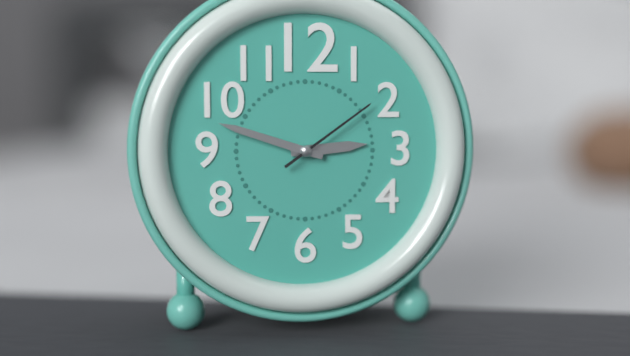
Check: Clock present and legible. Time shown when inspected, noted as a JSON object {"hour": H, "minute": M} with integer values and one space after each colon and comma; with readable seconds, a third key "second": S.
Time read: {"hour": 2, "minute": 48, "second": 9}
